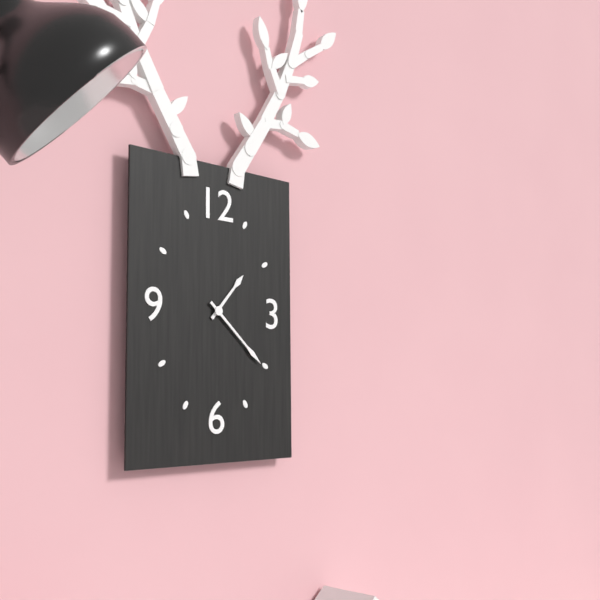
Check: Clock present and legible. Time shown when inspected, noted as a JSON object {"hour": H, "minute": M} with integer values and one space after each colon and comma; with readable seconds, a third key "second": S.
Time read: {"hour": 1, "minute": 22}
